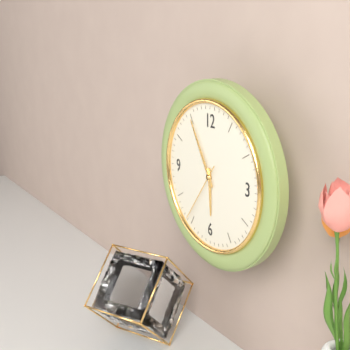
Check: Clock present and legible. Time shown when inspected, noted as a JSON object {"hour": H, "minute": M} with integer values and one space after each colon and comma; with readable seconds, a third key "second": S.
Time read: {"hour": 5, "minute": 55, "second": 36}
